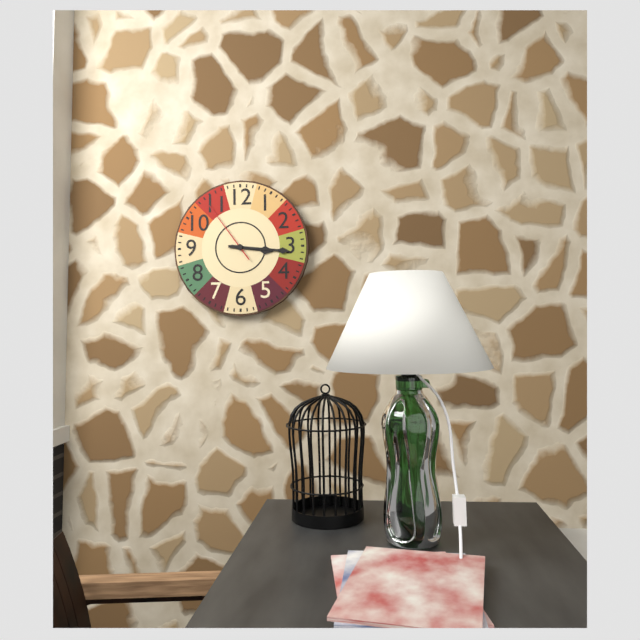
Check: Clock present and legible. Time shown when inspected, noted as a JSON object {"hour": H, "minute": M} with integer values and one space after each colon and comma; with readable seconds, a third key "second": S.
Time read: {"hour": 3, "minute": 16, "second": 54}
